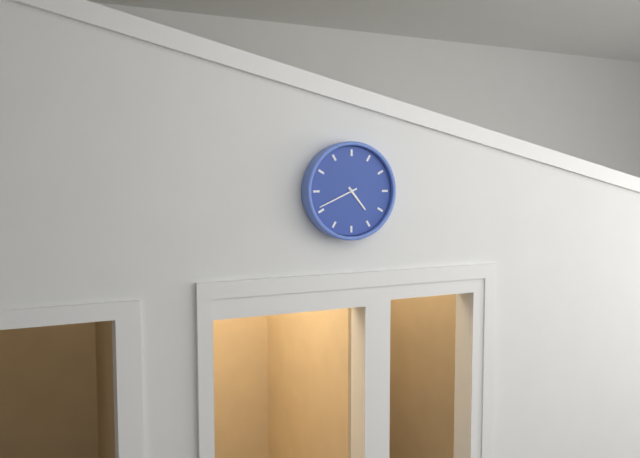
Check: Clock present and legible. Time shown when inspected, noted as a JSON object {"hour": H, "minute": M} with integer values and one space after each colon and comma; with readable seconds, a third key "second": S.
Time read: {"hour": 4, "minute": 41}
